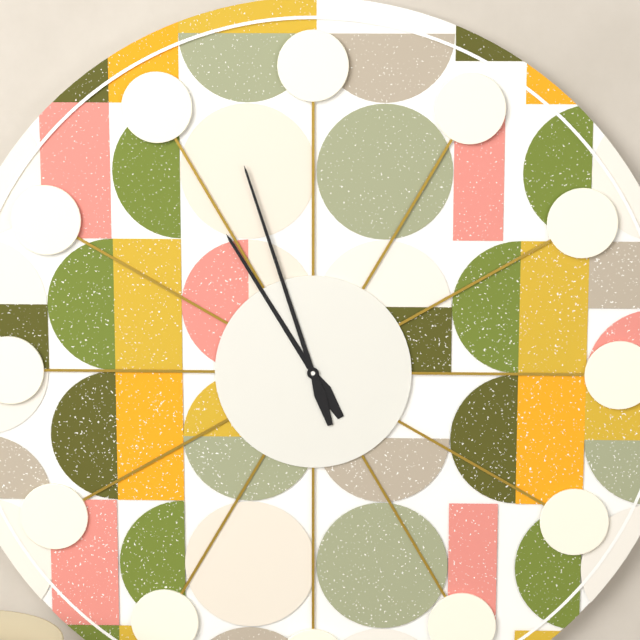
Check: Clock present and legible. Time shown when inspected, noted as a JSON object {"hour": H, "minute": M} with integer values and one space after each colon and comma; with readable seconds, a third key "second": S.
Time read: {"hour": 10, "minute": 57}
